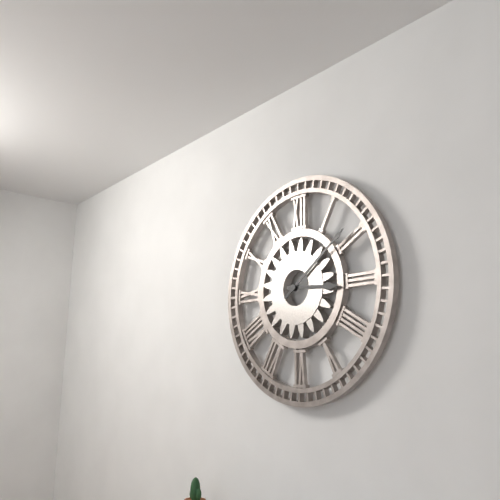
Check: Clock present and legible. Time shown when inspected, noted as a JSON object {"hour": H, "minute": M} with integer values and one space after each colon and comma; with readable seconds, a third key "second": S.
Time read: {"hour": 3, "minute": 9}
